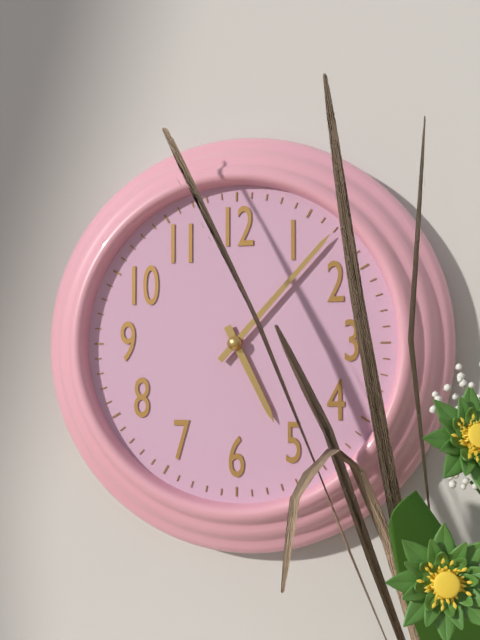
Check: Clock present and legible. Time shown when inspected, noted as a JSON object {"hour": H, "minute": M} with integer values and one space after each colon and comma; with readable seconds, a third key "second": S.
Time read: {"hour": 5, "minute": 7}
